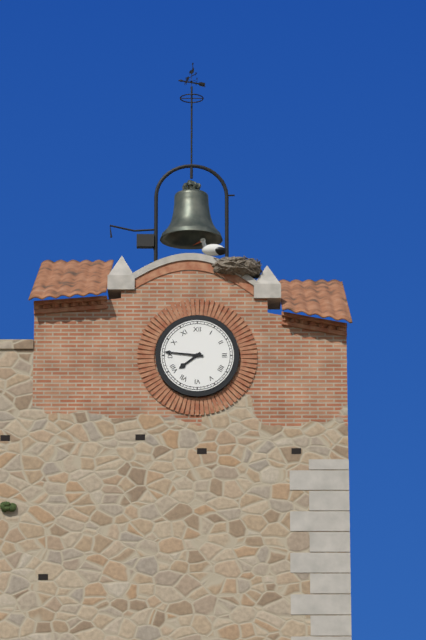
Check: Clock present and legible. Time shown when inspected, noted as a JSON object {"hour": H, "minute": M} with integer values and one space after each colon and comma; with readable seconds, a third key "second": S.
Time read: {"hour": 7, "minute": 46}
